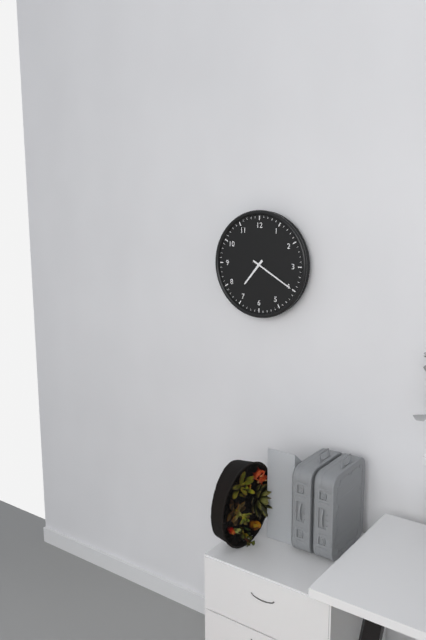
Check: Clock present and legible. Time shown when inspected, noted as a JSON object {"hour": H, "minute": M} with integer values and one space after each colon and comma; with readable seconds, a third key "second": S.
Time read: {"hour": 7, "minute": 20}
